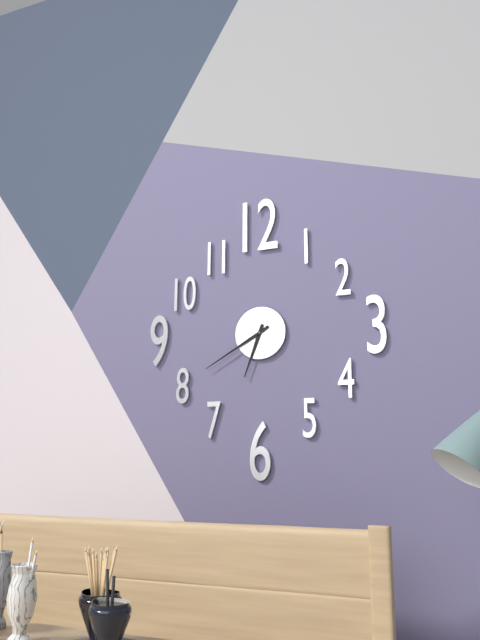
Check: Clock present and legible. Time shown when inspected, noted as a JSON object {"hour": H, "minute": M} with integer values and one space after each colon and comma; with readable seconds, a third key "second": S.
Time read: {"hour": 6, "minute": 40}
